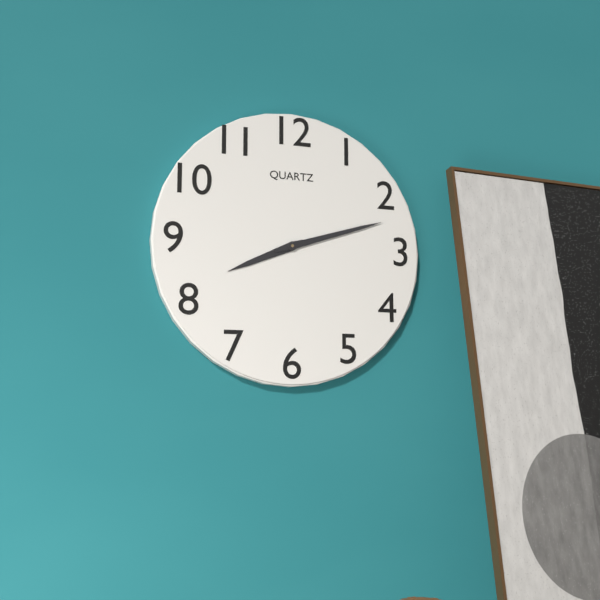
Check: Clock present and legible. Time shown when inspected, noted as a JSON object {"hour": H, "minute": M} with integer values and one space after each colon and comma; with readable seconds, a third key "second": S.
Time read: {"hour": 8, "minute": 12}
